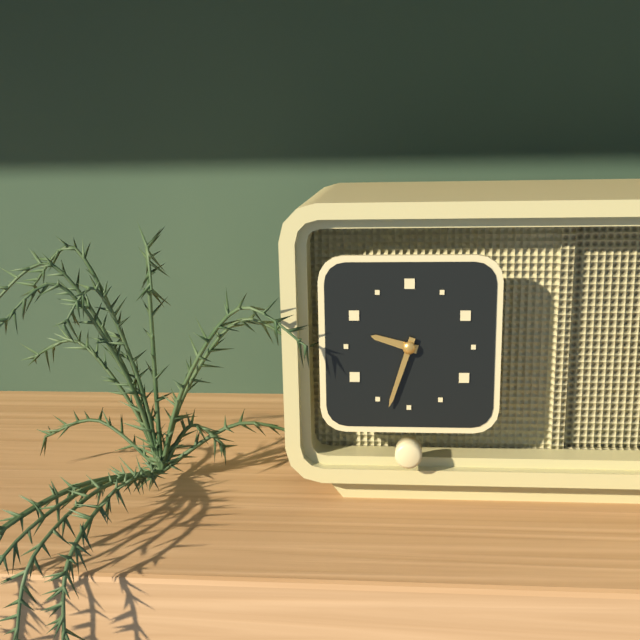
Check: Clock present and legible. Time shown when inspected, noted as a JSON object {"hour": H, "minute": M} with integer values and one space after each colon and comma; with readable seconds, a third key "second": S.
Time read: {"hour": 9, "minute": 33}
